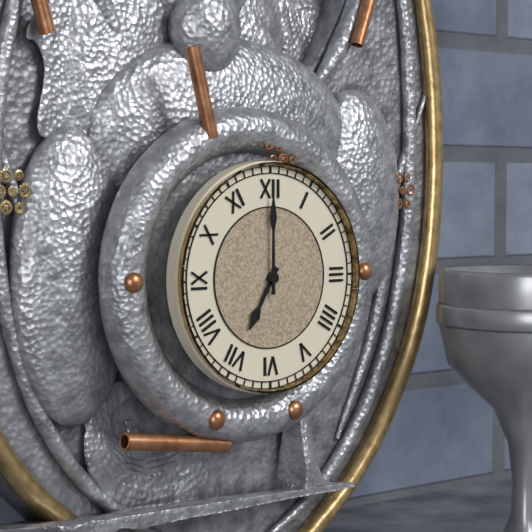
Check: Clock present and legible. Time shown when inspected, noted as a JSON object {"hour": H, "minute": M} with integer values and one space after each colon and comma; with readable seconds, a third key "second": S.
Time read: {"hour": 7, "minute": 0}
